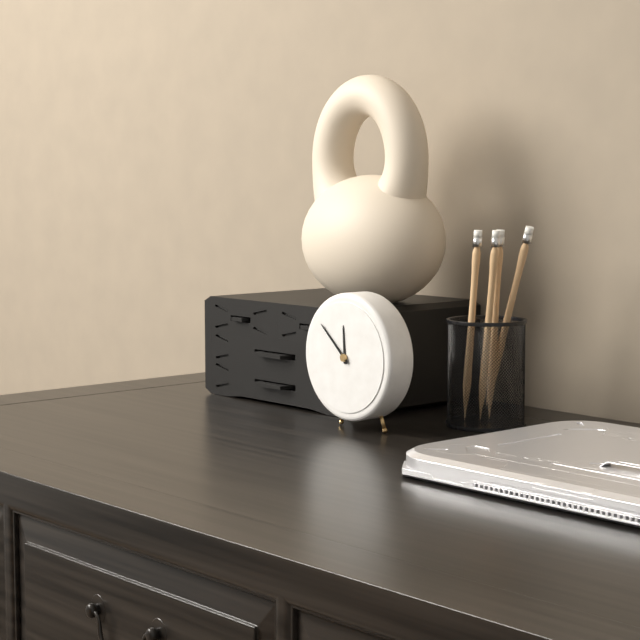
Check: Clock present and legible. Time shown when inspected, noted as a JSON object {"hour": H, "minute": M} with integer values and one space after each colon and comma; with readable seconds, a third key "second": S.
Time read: {"hour": 11, "minute": 52}
